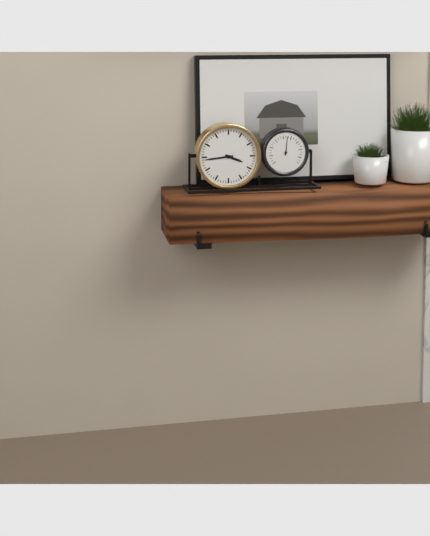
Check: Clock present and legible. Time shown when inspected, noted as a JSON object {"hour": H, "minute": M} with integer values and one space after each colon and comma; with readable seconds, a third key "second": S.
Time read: {"hour": 3, "minute": 44}
